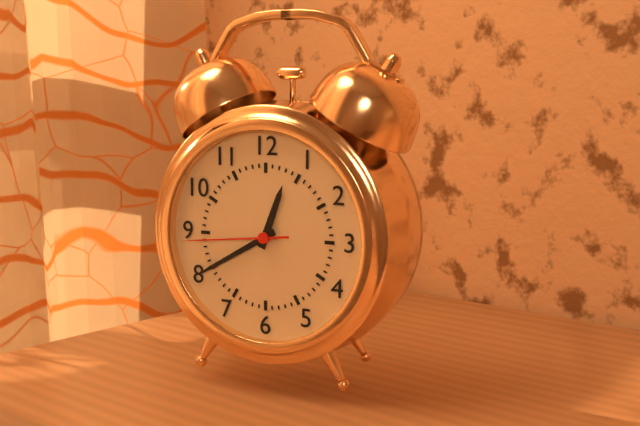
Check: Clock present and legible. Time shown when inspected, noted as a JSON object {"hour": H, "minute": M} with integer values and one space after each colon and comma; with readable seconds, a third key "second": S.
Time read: {"hour": 12, "minute": 40, "second": 44}
